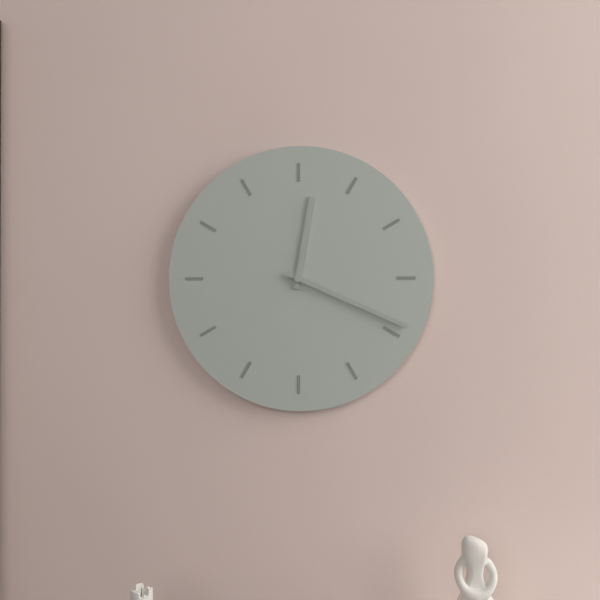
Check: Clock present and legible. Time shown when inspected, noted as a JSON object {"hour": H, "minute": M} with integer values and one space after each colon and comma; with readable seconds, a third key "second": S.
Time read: {"hour": 12, "minute": 19}
